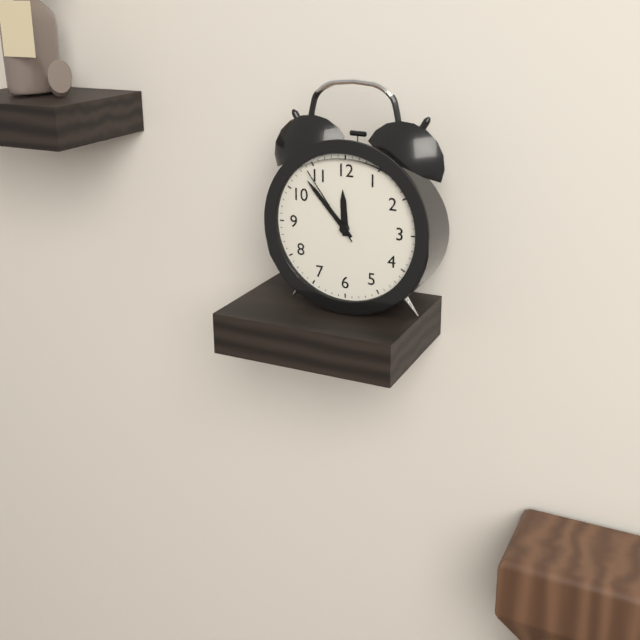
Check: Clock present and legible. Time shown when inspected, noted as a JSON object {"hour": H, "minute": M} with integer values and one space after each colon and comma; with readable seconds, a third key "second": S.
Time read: {"hour": 11, "minute": 53, "second": 54}
